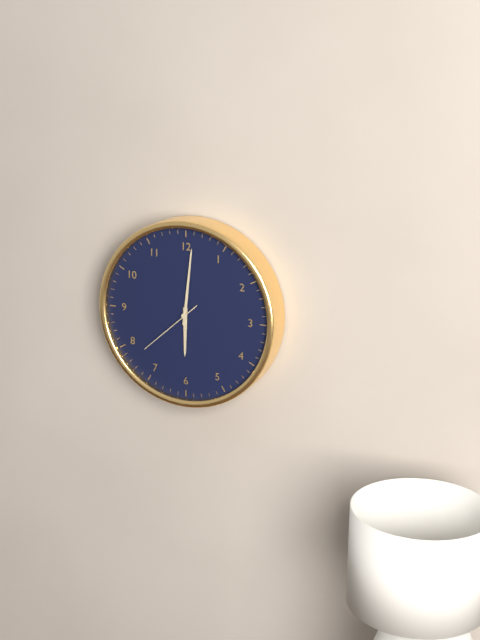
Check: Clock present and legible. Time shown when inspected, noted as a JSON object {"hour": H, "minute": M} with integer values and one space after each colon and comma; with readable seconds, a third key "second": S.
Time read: {"hour": 6, "minute": 1, "second": 38}
